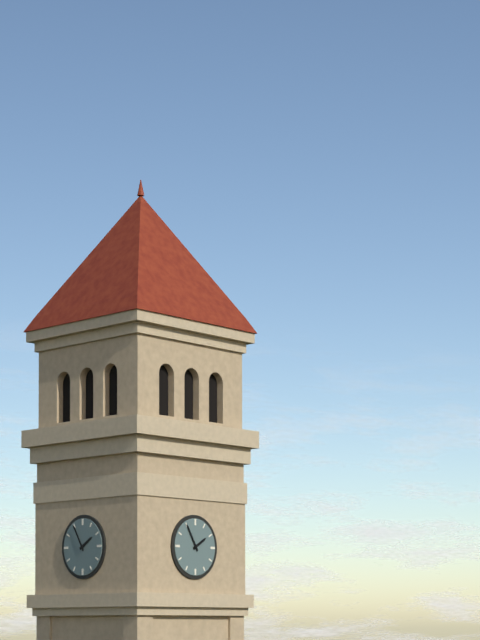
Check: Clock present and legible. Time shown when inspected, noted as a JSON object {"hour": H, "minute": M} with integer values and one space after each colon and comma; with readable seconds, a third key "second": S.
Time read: {"hour": 1, "minute": 55}
